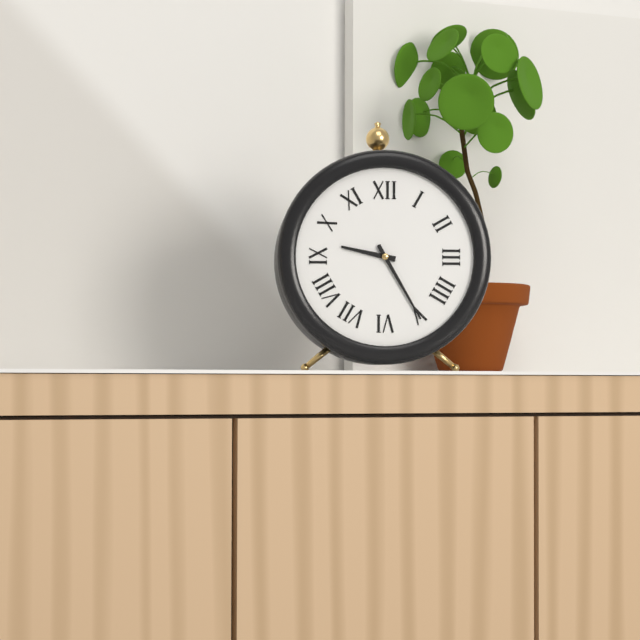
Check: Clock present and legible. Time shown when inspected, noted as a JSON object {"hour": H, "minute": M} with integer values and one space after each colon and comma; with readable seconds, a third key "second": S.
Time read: {"hour": 9, "minute": 25}
